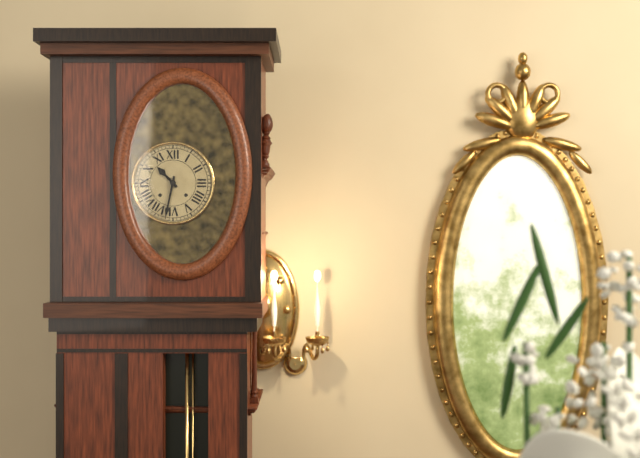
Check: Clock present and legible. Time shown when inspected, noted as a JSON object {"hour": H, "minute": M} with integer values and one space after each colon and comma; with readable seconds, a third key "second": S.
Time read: {"hour": 10, "minute": 32}
